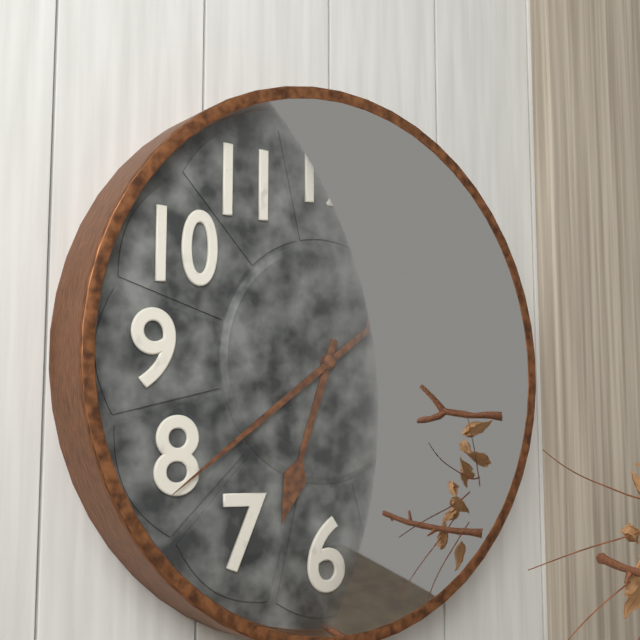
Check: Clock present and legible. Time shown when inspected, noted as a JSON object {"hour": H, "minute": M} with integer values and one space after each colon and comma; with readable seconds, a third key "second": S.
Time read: {"hour": 6, "minute": 39}
